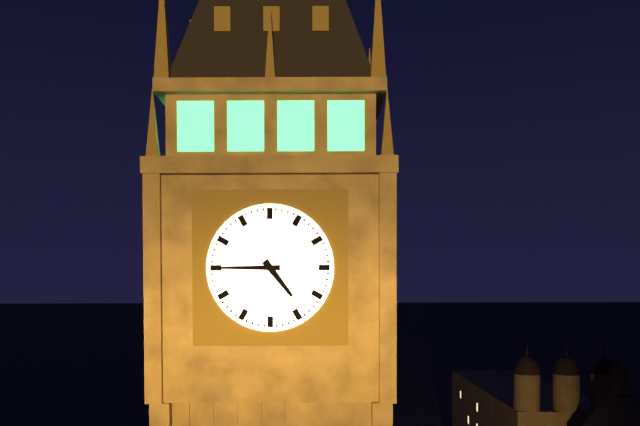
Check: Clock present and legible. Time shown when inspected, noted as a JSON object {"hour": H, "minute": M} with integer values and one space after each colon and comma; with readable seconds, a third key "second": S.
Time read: {"hour": 4, "minute": 45}
